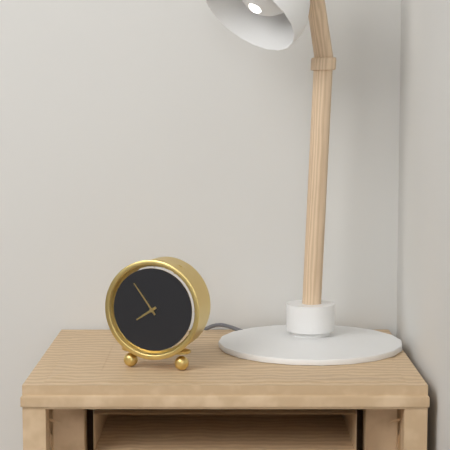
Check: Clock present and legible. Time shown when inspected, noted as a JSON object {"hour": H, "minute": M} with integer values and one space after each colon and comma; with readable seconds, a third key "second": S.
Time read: {"hour": 7, "minute": 54}
